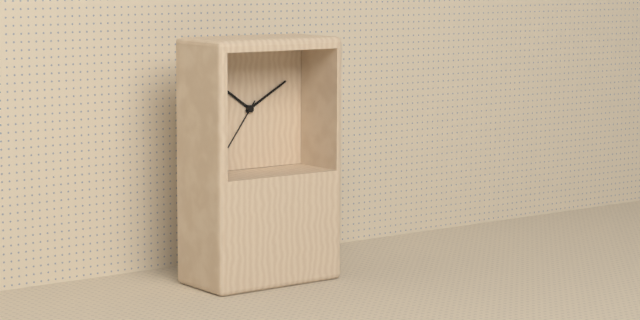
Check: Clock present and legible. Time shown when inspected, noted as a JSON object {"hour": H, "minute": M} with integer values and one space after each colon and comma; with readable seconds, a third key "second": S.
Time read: {"hour": 10, "minute": 10, "second": 36}
